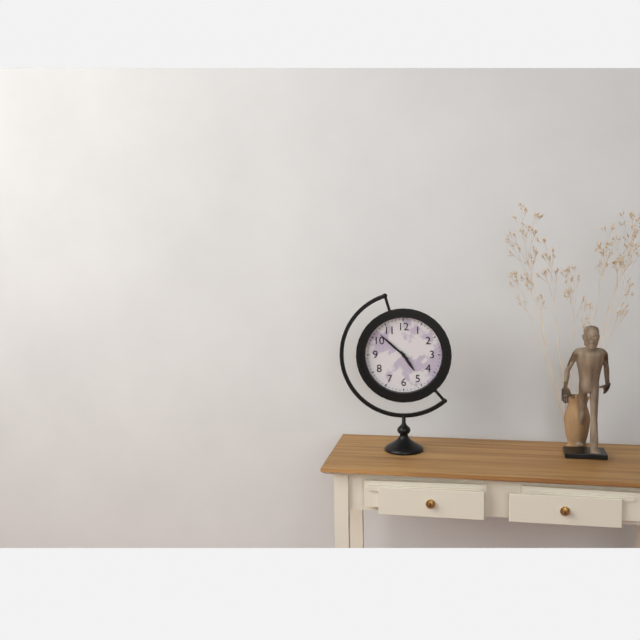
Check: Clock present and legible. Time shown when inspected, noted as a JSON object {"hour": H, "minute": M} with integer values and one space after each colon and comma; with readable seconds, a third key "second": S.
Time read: {"hour": 4, "minute": 52}
